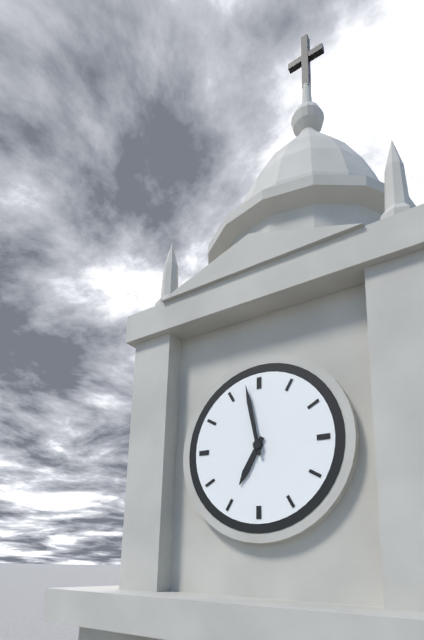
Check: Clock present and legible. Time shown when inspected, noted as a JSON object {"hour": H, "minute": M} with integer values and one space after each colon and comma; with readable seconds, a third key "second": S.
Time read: {"hour": 6, "minute": 58}
